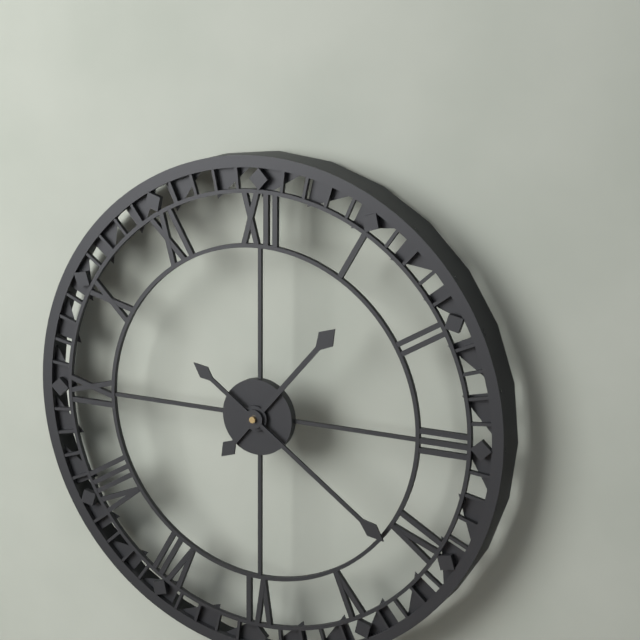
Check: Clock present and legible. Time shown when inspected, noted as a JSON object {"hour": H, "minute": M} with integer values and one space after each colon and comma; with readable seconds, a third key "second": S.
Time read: {"hour": 1, "minute": 21}
